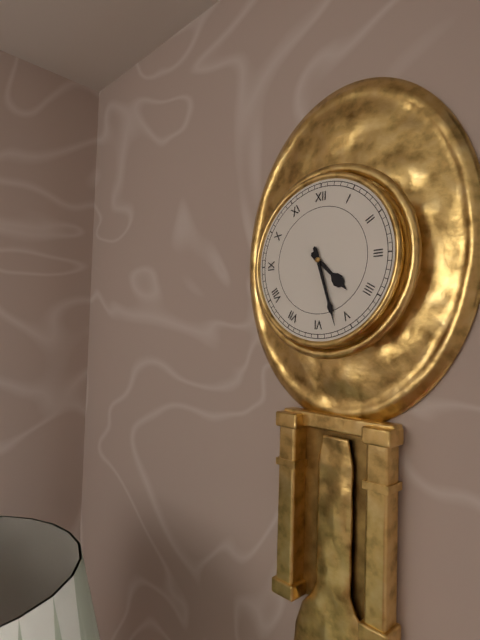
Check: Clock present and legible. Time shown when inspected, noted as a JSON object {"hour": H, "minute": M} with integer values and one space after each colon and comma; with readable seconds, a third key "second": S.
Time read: {"hour": 4, "minute": 27}
